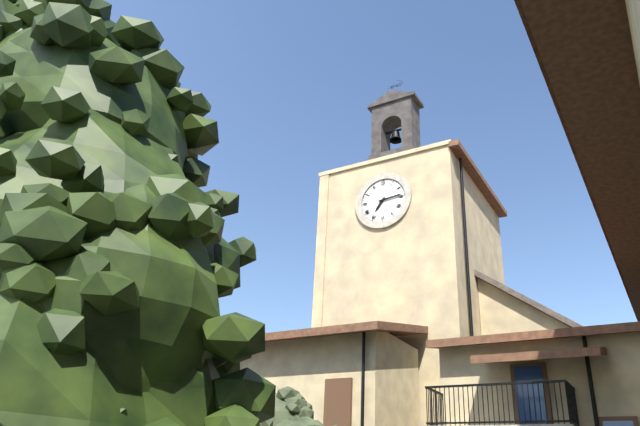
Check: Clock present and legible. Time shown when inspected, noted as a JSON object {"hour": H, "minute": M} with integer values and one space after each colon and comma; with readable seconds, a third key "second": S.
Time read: {"hour": 7, "minute": 14}
